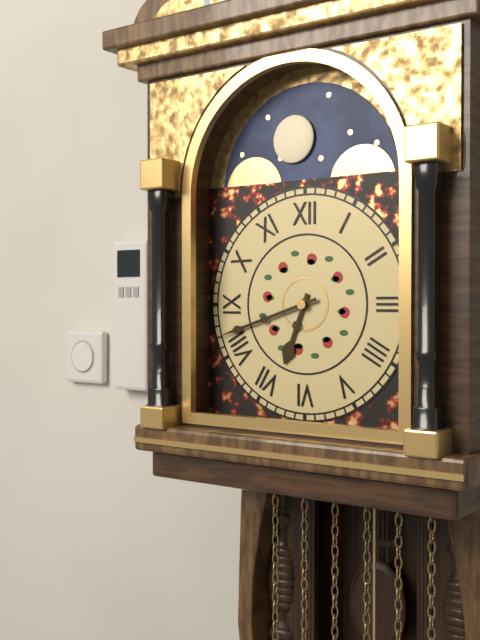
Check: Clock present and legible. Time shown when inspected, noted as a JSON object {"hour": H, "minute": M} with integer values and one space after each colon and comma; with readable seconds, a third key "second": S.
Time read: {"hour": 6, "minute": 42}
